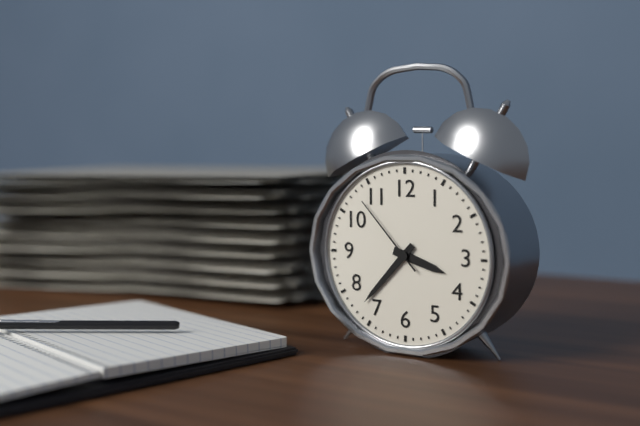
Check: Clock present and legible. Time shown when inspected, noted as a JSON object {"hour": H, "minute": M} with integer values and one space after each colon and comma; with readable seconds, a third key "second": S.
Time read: {"hour": 3, "minute": 37, "second": 53}
